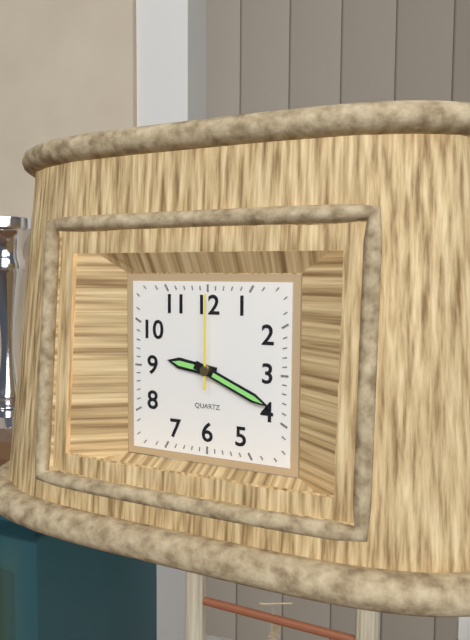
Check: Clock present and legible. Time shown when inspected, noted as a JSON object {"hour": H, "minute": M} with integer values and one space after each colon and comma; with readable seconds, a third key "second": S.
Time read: {"hour": 9, "minute": 19, "second": 0}
